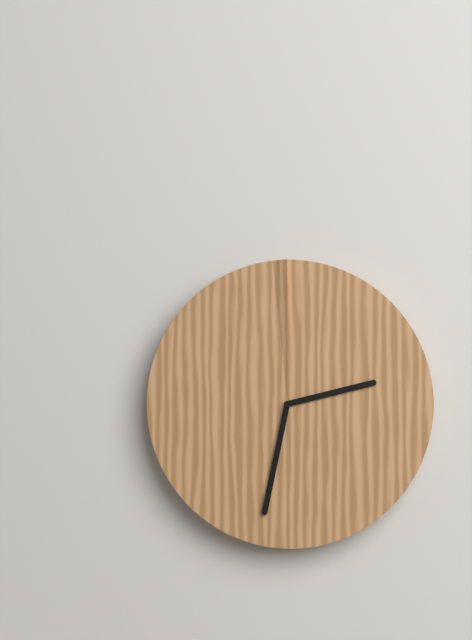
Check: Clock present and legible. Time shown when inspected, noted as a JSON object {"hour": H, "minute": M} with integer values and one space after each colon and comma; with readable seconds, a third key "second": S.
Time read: {"hour": 2, "minute": 32}
